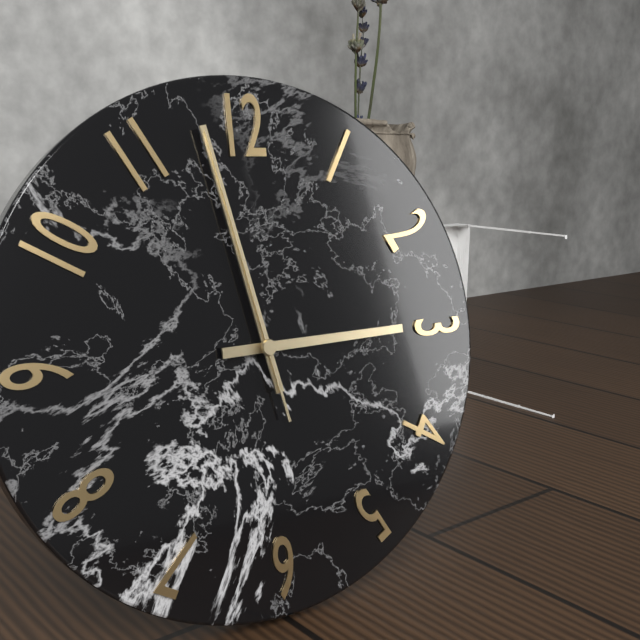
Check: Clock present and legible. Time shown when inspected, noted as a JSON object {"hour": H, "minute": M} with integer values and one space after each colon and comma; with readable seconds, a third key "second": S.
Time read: {"hour": 2, "minute": 58, "second": 58}
